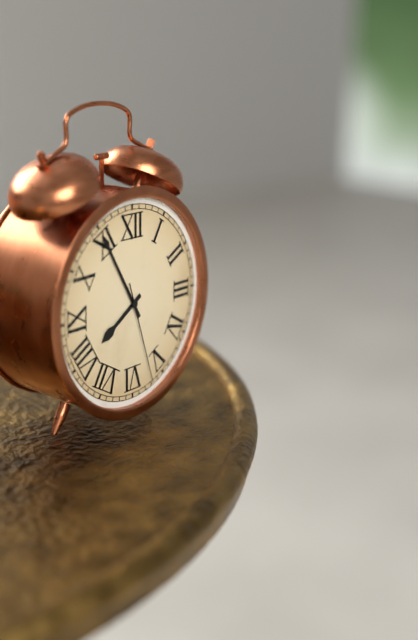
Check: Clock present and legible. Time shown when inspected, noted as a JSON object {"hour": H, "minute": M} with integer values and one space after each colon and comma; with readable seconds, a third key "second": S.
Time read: {"hour": 7, "minute": 55, "second": 27}
